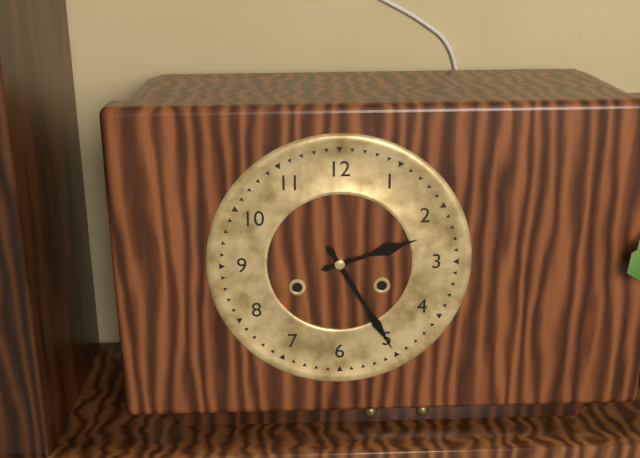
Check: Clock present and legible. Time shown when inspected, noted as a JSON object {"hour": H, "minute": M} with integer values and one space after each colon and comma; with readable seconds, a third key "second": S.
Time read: {"hour": 2, "minute": 25}
